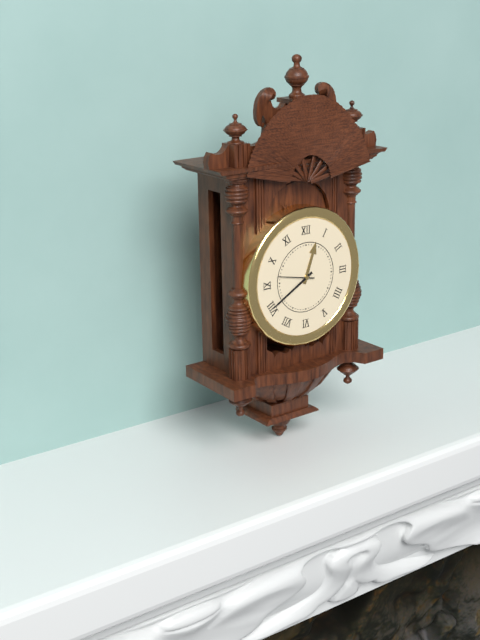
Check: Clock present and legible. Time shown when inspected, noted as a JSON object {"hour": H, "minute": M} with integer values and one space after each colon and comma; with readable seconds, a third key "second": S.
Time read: {"hour": 12, "minute": 40}
